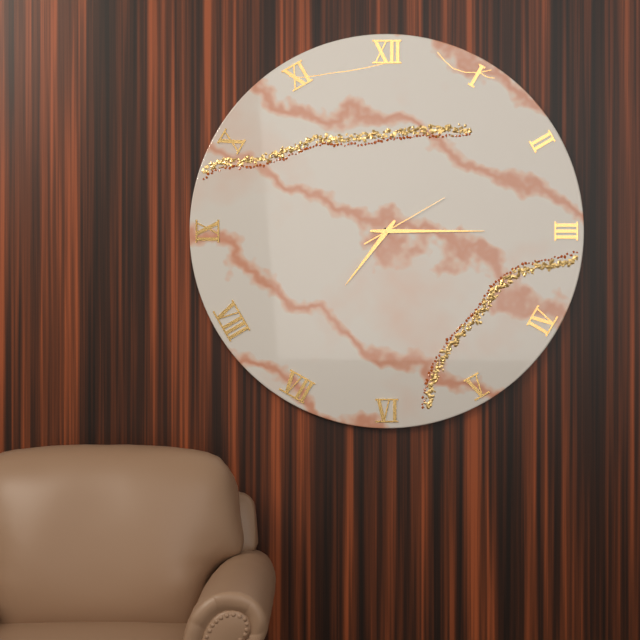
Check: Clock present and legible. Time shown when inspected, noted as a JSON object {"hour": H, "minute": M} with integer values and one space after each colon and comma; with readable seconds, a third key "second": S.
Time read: {"hour": 7, "minute": 15, "second": 10}
